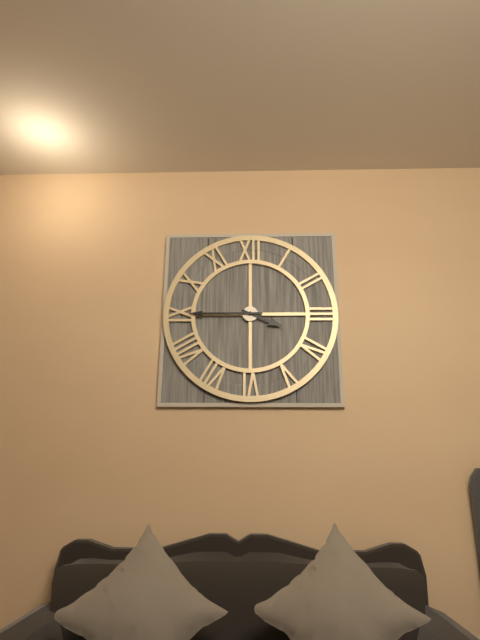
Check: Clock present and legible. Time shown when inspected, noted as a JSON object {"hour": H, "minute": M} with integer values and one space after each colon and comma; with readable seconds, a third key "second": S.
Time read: {"hour": 3, "minute": 45}
